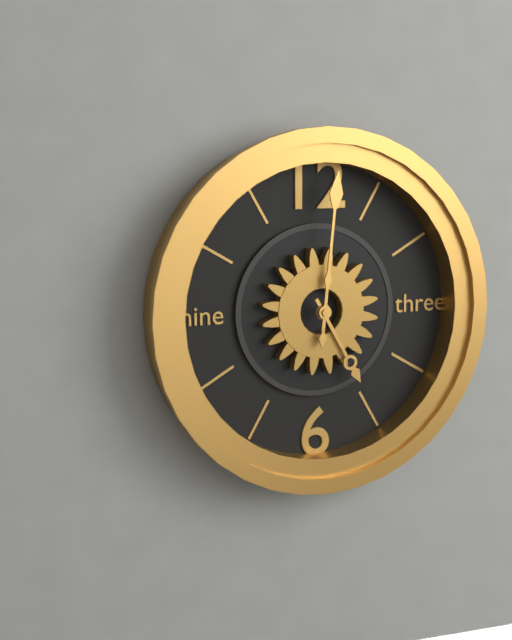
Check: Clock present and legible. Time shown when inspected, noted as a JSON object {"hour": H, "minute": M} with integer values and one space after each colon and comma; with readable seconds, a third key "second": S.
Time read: {"hour": 5, "minute": 1}
